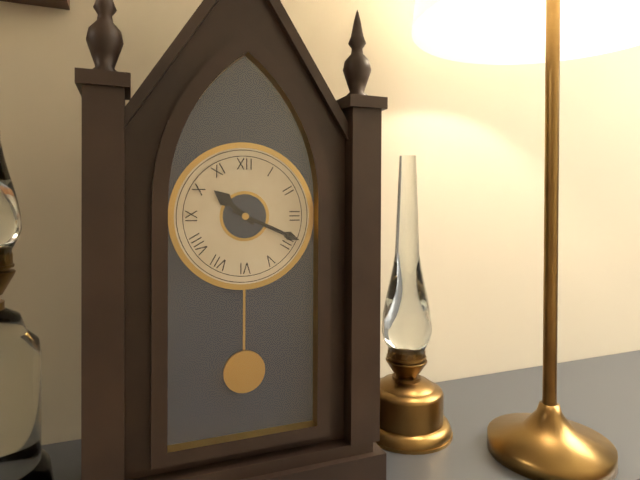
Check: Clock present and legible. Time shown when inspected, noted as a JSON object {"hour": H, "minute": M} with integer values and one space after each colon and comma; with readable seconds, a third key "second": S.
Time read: {"hour": 10, "minute": 19}
